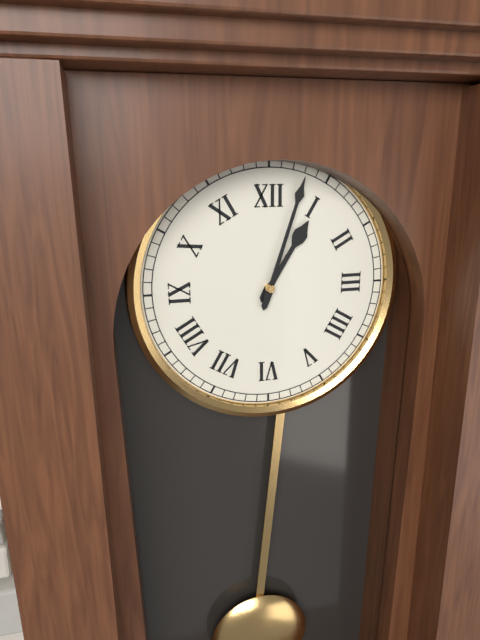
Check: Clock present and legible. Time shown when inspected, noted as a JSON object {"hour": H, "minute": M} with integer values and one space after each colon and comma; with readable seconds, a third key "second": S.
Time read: {"hour": 1, "minute": 3}
